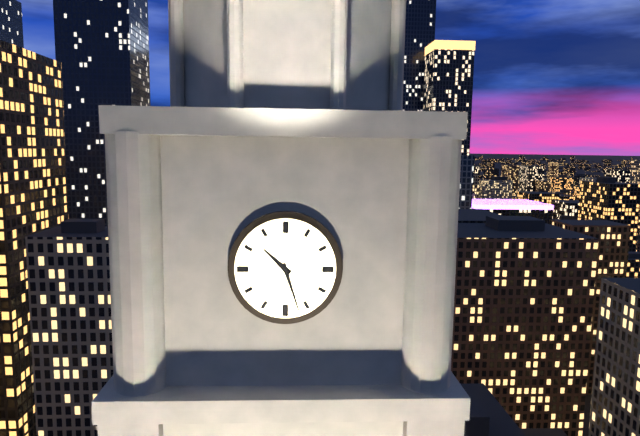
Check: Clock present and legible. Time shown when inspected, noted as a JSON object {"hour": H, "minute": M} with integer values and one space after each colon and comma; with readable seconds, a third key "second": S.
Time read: {"hour": 10, "minute": 27}
